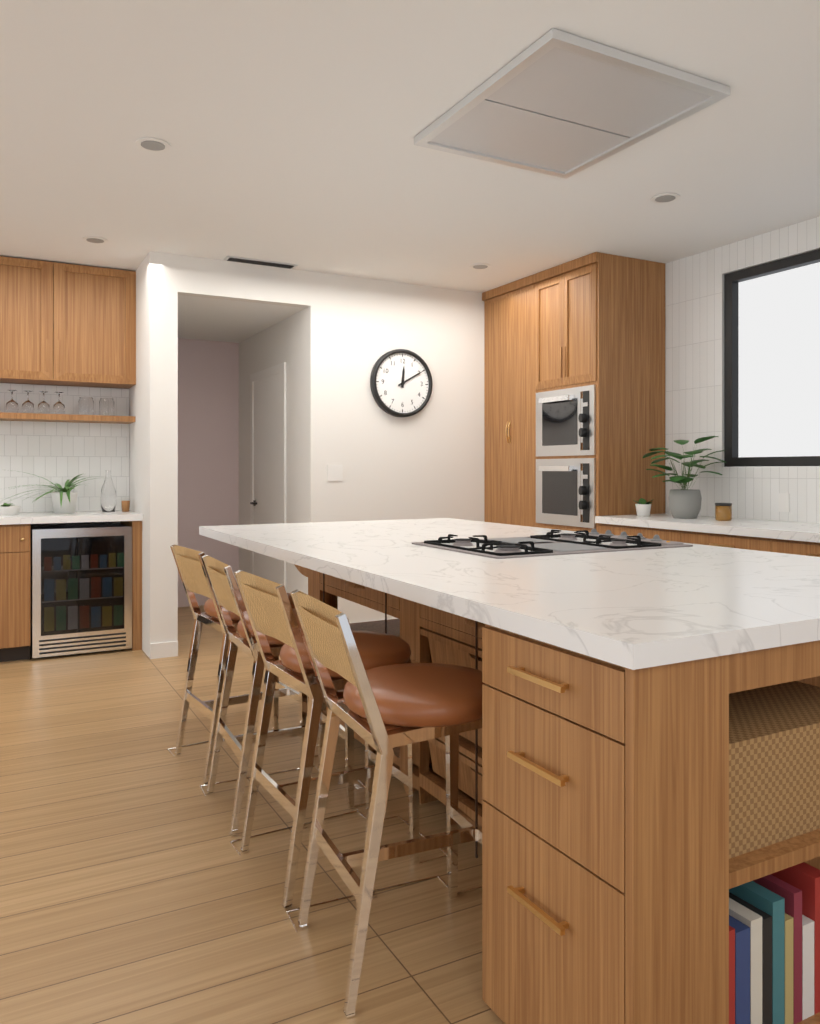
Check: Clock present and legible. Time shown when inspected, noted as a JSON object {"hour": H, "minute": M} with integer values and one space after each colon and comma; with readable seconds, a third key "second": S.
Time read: {"hour": 12, "minute": 10}
